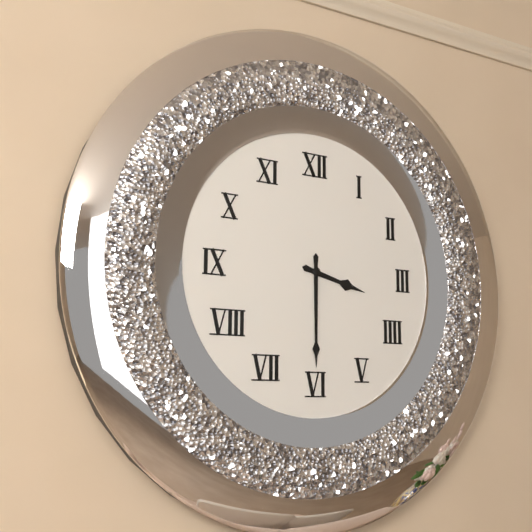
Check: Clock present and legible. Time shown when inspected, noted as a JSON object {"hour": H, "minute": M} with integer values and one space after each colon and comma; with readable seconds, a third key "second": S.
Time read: {"hour": 3, "minute": 30}
